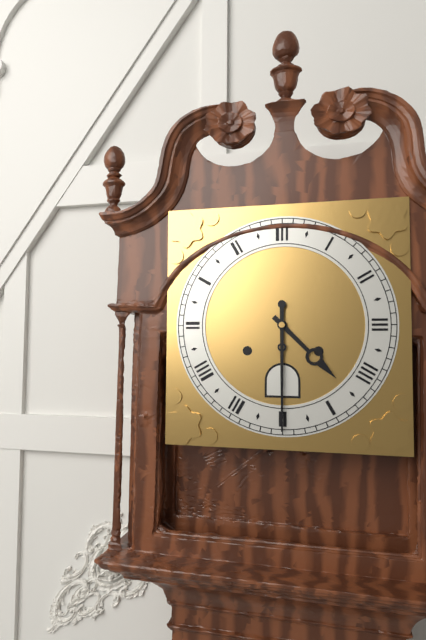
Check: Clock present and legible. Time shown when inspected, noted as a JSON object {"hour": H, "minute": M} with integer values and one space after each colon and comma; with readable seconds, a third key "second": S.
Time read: {"hour": 4, "minute": 30}
